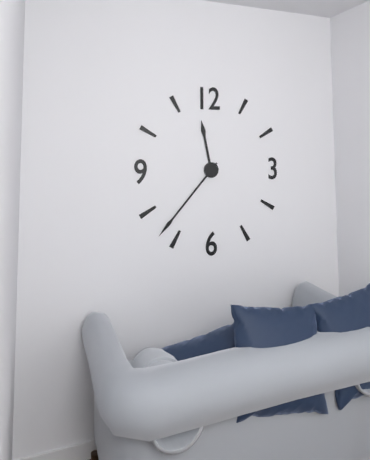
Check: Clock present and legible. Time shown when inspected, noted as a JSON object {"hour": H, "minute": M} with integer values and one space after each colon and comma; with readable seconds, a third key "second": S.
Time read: {"hour": 11, "minute": 37}
